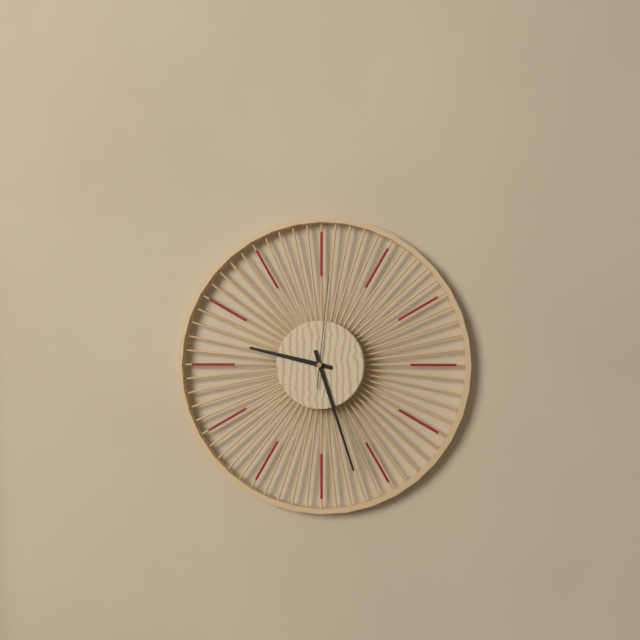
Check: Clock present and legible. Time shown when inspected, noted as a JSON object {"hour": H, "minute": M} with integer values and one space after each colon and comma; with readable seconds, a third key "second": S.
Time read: {"hour": 9, "minute": 27, "second": 1}
